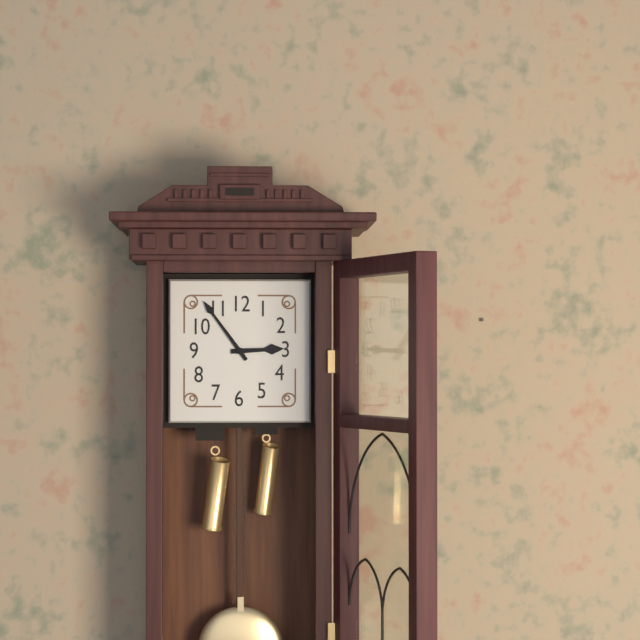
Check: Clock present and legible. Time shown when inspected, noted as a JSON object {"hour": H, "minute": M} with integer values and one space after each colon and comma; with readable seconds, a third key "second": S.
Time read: {"hour": 2, "minute": 54}
